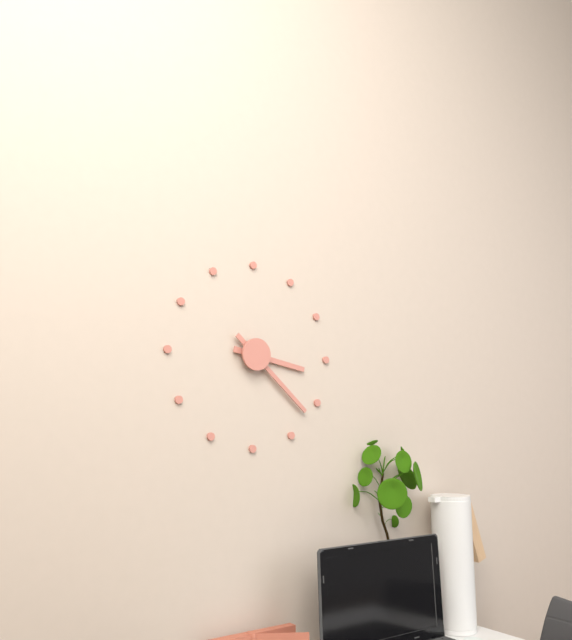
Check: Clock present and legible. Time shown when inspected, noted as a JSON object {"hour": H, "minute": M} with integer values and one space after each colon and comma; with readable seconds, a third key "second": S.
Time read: {"hour": 3, "minute": 22}
